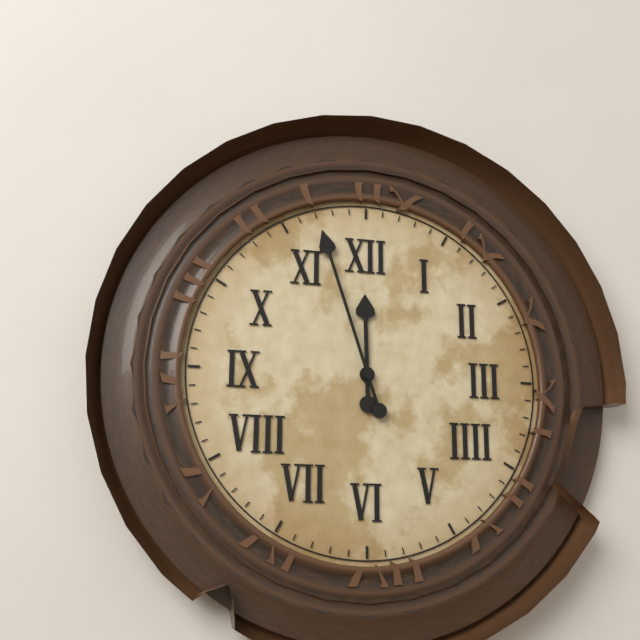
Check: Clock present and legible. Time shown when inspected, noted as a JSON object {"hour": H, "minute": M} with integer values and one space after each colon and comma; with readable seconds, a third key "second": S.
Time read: {"hour": 11, "minute": 57}
